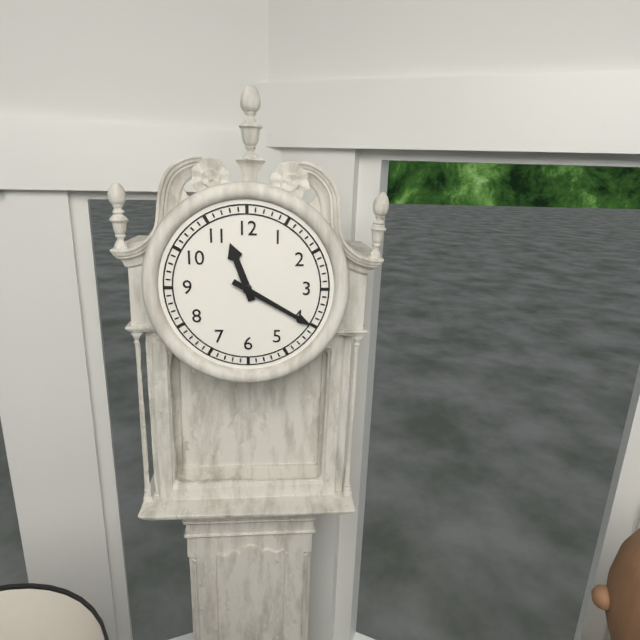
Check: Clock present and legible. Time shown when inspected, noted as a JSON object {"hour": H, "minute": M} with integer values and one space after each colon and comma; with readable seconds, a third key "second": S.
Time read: {"hour": 11, "minute": 20}
